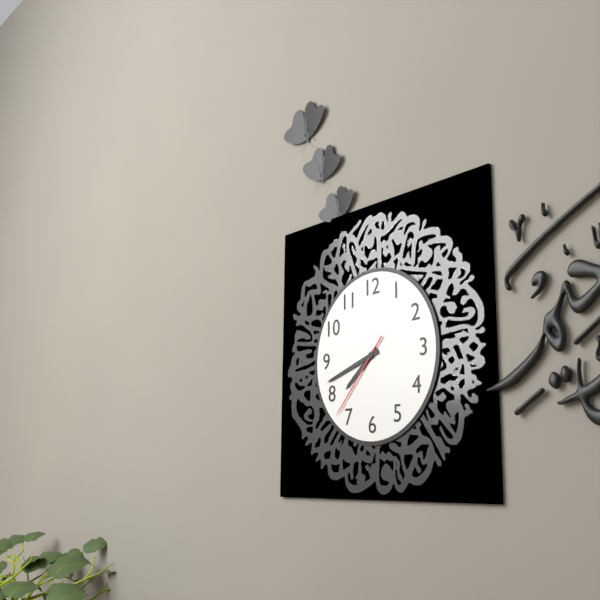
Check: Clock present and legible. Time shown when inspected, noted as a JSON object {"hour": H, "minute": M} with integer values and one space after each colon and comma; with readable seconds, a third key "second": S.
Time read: {"hour": 7, "minute": 42, "second": 37}
